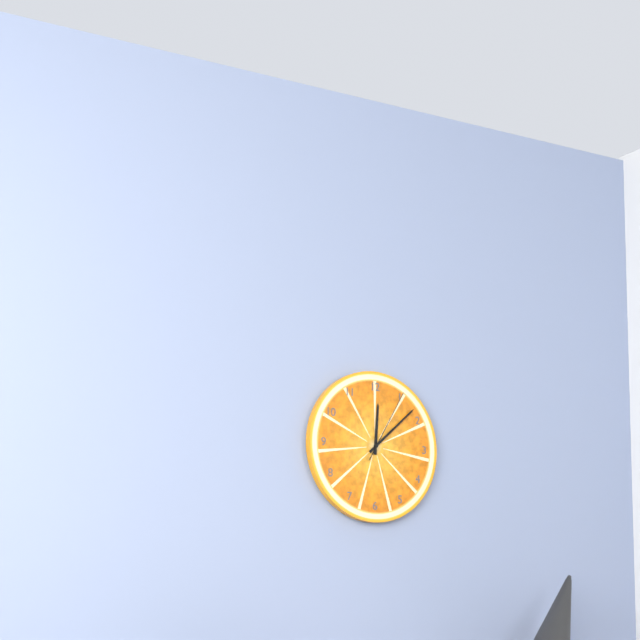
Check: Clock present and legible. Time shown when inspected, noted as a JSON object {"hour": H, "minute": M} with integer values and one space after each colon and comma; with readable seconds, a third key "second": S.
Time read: {"hour": 12, "minute": 8, "second": 5}
